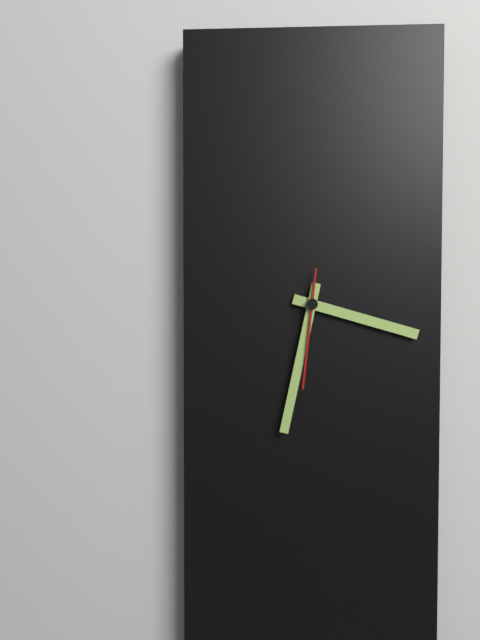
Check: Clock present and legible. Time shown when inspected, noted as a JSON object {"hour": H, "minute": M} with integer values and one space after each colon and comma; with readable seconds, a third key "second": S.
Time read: {"hour": 3, "minute": 32, "second": 31}
